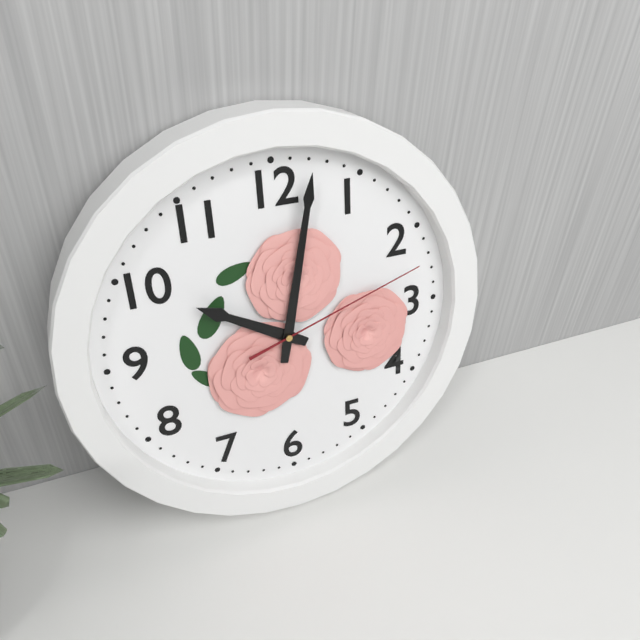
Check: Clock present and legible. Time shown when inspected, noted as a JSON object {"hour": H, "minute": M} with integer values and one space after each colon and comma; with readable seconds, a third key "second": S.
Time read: {"hour": 10, "minute": 2, "second": 12}
